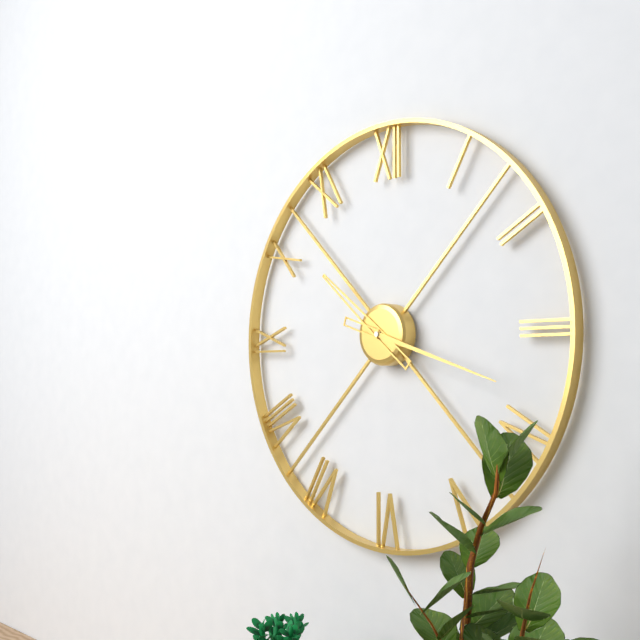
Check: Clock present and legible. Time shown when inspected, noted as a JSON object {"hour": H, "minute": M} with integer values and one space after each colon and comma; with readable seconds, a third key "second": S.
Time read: {"hour": 10, "minute": 18}
